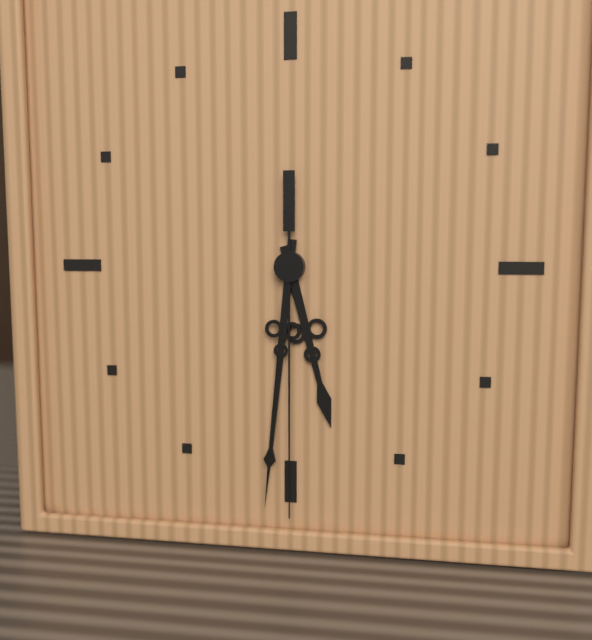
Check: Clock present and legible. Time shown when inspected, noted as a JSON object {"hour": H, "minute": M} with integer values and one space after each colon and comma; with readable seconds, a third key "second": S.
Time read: {"hour": 5, "minute": 31, "second": 30}
